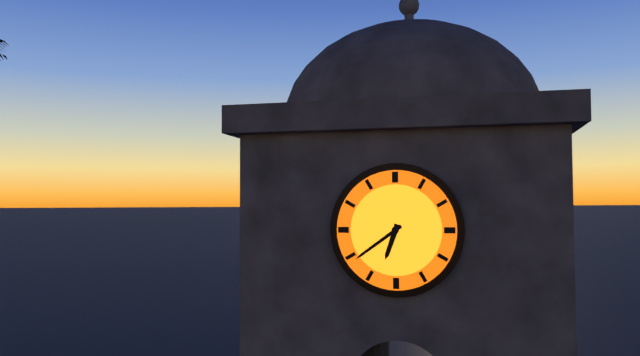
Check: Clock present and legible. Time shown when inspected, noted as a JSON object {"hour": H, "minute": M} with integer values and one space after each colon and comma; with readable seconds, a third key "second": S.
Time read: {"hour": 6, "minute": 39}
